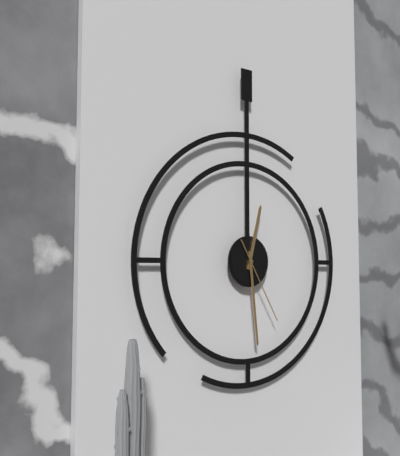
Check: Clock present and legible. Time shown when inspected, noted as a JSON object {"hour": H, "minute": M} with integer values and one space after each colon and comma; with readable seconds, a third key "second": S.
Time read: {"hour": 12, "minute": 29, "second": 25}
